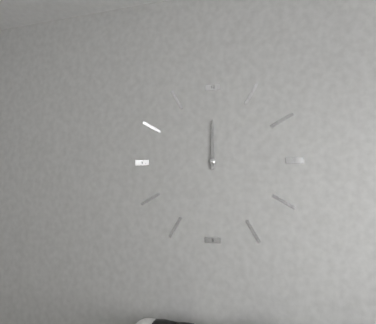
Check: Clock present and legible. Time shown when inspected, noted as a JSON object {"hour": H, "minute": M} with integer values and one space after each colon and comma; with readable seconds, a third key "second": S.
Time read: {"hour": 12, "minute": 0}
